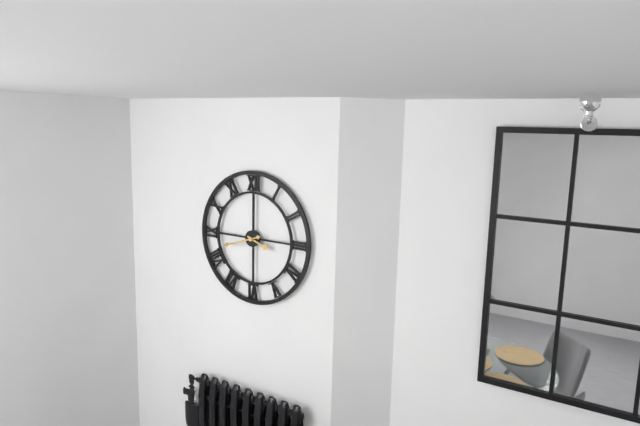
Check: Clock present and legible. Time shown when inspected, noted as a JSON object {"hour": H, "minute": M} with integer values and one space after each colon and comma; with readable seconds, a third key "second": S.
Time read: {"hour": 3, "minute": 42}
